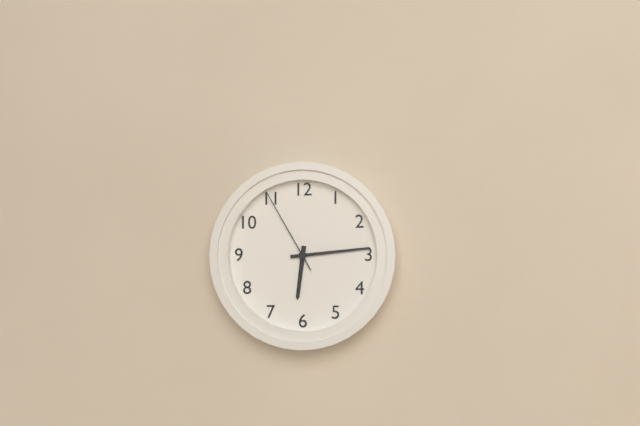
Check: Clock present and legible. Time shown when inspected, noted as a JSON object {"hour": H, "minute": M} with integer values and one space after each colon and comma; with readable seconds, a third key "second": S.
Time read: {"hour": 6, "minute": 14, "second": 55}
